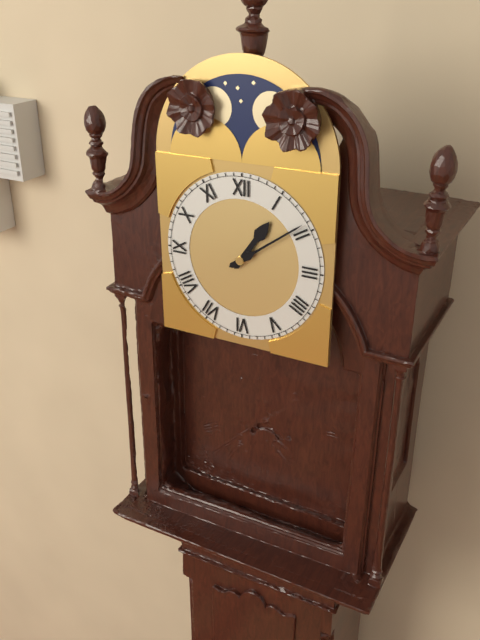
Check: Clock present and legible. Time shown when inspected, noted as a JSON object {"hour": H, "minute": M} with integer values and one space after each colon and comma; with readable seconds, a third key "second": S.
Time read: {"hour": 1, "minute": 9}
